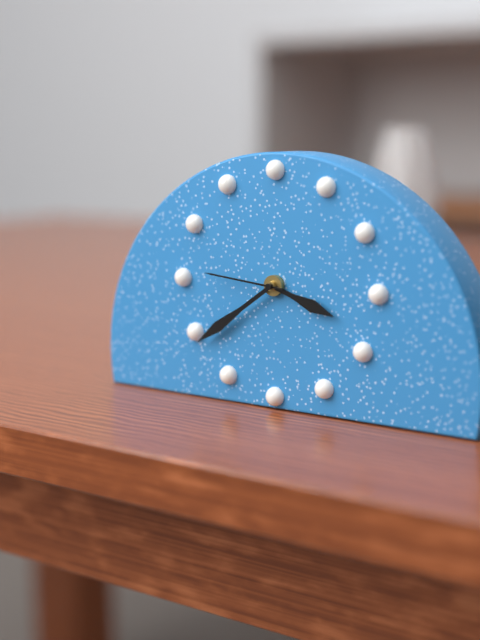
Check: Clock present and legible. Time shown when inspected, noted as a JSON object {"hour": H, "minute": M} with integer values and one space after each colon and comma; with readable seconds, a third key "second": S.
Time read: {"hour": 3, "minute": 39, "second": 46}
